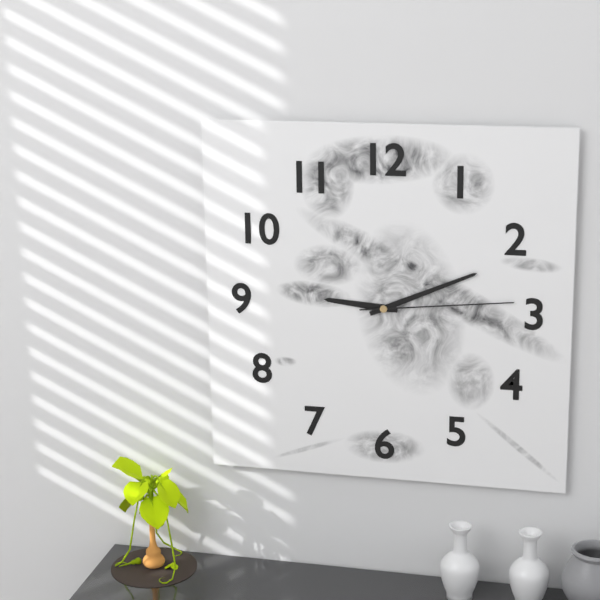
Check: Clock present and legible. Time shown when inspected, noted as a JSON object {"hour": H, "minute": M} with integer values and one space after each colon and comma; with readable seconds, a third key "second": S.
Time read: {"hour": 9, "minute": 11, "second": 14}
